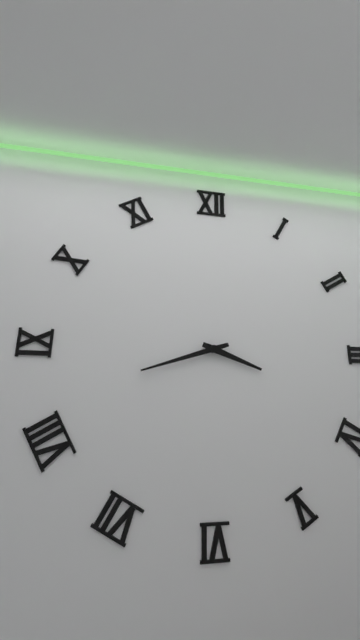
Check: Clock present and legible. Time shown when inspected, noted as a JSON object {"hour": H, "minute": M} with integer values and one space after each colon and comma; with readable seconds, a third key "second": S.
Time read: {"hour": 3, "minute": 42}
